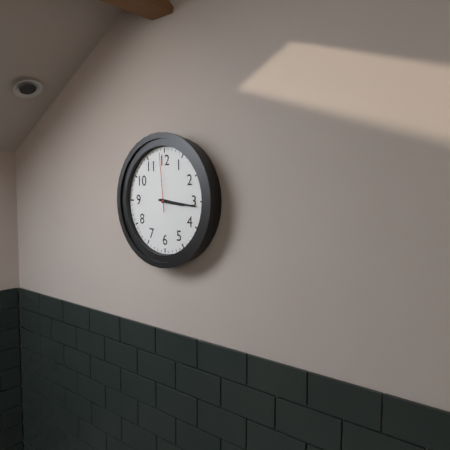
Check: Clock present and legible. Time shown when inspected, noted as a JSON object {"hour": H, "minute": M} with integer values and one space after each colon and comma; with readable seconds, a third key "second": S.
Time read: {"hour": 3, "minute": 16, "second": 59}
